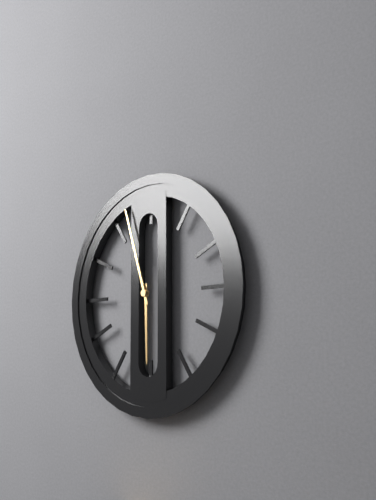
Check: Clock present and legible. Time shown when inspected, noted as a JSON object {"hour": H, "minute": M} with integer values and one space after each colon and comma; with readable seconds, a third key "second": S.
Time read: {"hour": 5, "minute": 57}
